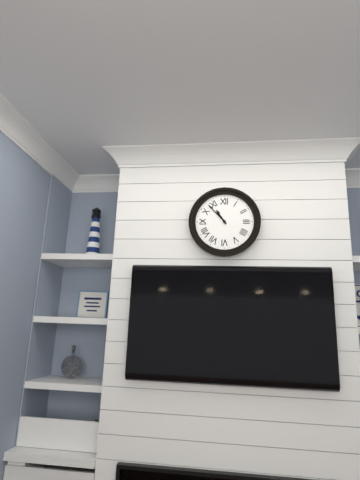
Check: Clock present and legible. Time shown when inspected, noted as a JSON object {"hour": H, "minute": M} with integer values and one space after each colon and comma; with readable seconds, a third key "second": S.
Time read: {"hour": 10, "minute": 53}
